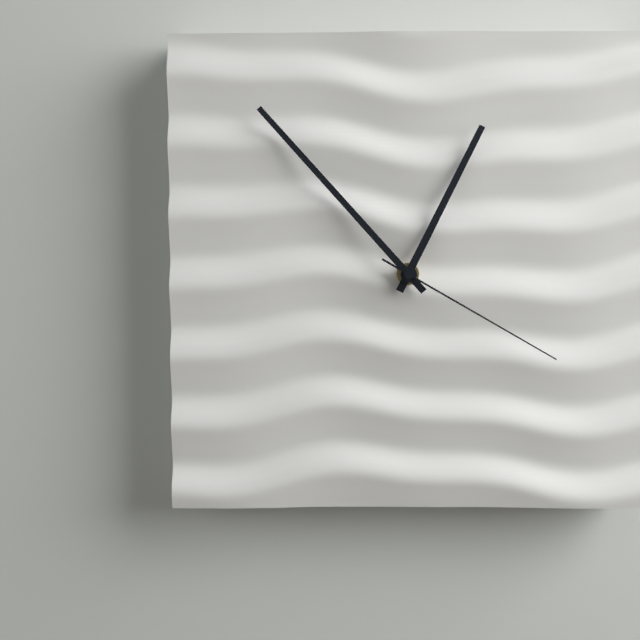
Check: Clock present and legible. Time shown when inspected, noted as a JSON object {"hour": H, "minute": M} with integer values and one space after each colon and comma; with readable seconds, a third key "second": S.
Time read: {"hour": 12, "minute": 53, "second": 20}
